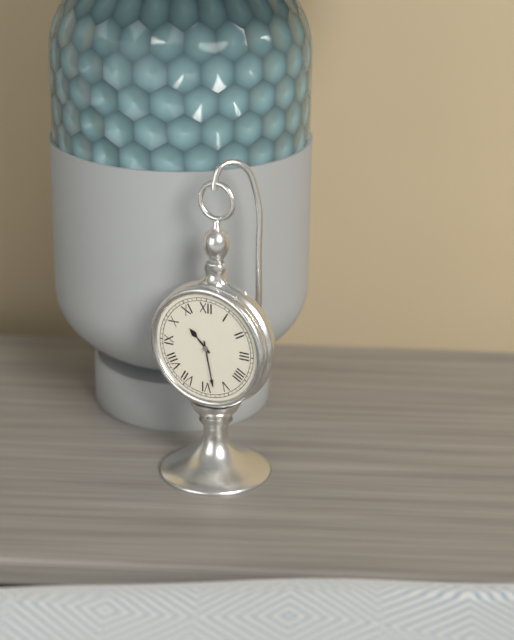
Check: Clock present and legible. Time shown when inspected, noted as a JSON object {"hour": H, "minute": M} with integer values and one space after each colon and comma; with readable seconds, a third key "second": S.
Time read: {"hour": 10, "minute": 28}
